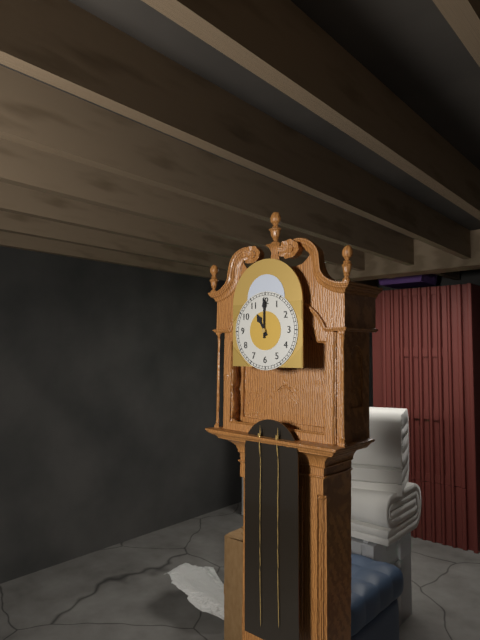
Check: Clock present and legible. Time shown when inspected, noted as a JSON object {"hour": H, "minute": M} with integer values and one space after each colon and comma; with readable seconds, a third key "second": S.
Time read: {"hour": 11, "minute": 0}
